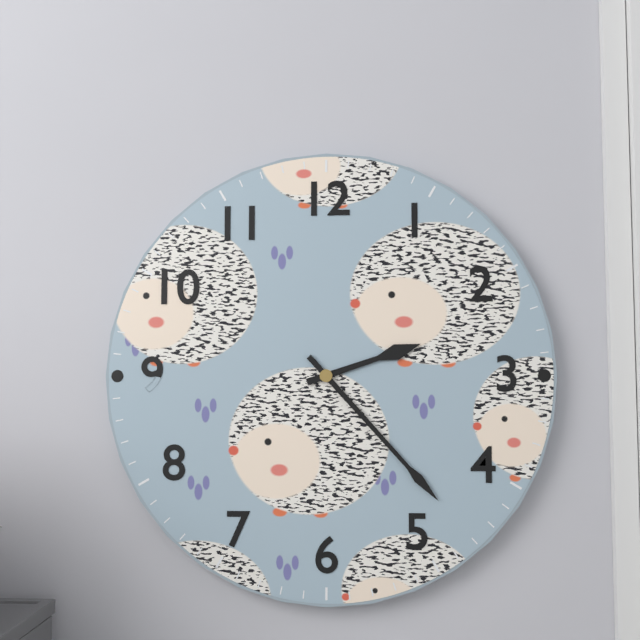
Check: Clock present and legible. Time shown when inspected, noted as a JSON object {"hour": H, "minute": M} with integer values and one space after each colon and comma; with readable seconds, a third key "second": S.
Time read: {"hour": 2, "minute": 23}
